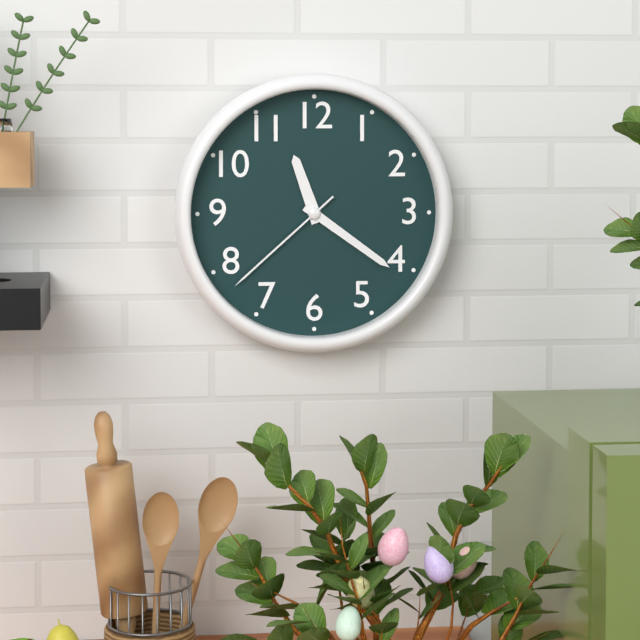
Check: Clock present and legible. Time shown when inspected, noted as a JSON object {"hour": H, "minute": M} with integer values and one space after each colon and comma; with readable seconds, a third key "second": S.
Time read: {"hour": 11, "minute": 21, "second": 38}
